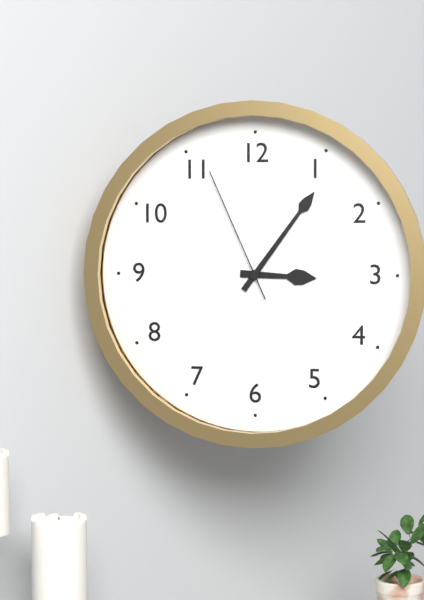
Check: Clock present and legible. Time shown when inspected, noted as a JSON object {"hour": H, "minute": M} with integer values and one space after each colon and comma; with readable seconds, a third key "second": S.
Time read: {"hour": 3, "minute": 6, "second": 56}
